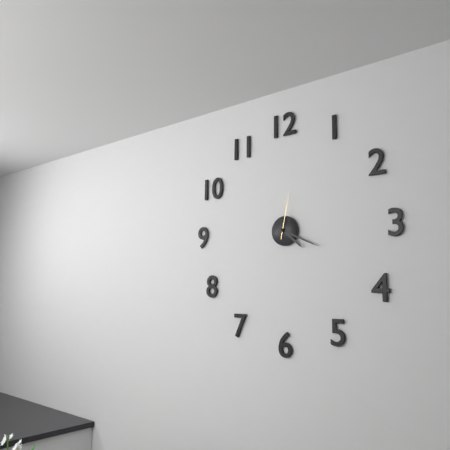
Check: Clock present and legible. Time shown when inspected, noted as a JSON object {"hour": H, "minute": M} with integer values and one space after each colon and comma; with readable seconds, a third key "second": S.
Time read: {"hour": 4, "minute": 19}
